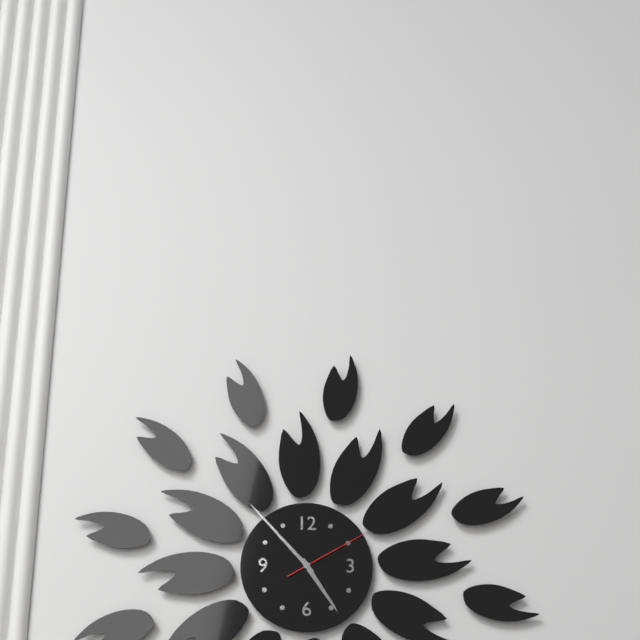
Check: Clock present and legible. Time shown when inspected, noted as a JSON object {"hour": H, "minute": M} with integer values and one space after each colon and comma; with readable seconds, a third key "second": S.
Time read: {"hour": 4, "minute": 53, "second": 10}
